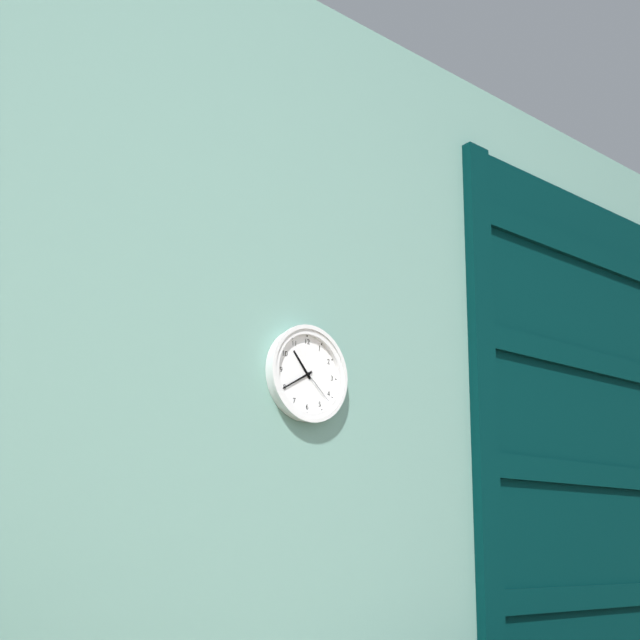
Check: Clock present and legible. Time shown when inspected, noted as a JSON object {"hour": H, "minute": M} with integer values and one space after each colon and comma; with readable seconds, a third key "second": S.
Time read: {"hour": 10, "minute": 40}
